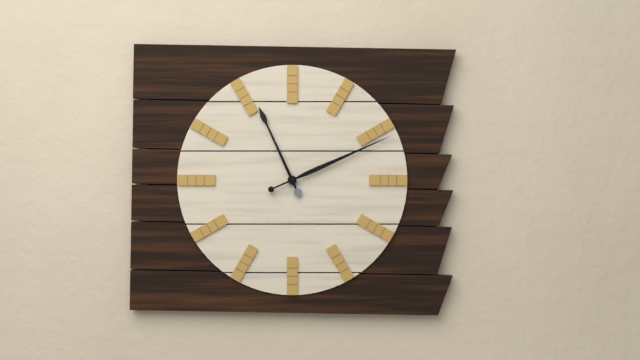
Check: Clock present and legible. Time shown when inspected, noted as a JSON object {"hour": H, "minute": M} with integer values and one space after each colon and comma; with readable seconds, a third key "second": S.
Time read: {"hour": 11, "minute": 11}
